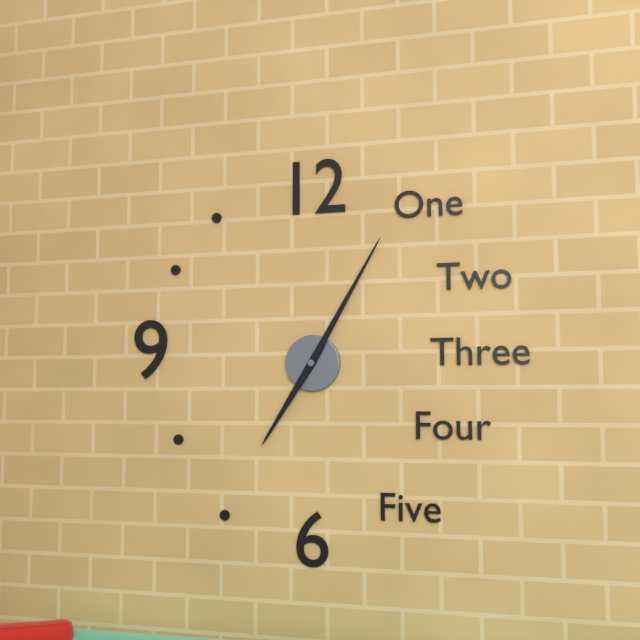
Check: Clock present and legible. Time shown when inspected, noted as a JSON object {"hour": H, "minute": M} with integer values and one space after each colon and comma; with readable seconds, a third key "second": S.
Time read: {"hour": 7, "minute": 5}
